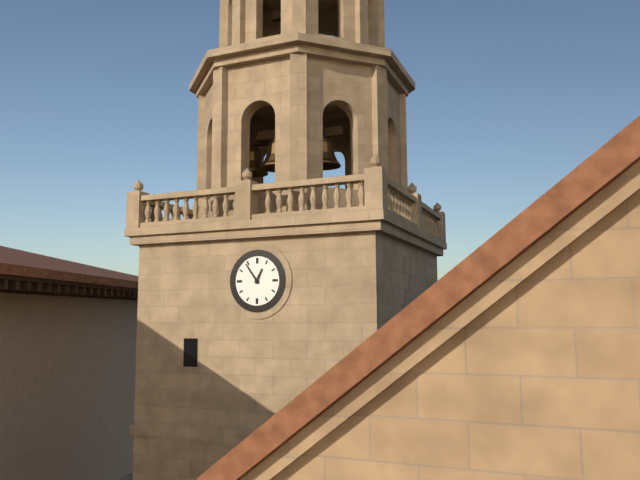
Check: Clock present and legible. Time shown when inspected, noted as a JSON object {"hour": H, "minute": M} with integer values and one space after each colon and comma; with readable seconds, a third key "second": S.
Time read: {"hour": 12, "minute": 54}
